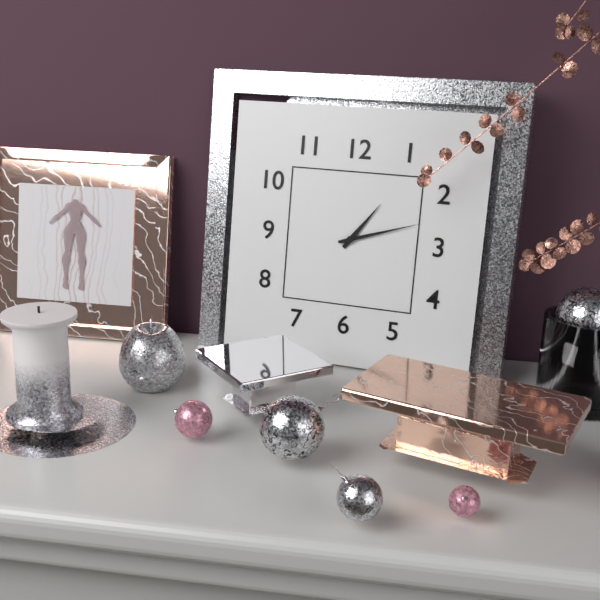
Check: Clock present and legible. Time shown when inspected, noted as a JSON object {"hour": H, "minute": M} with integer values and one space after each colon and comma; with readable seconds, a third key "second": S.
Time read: {"hour": 1, "minute": 12}
